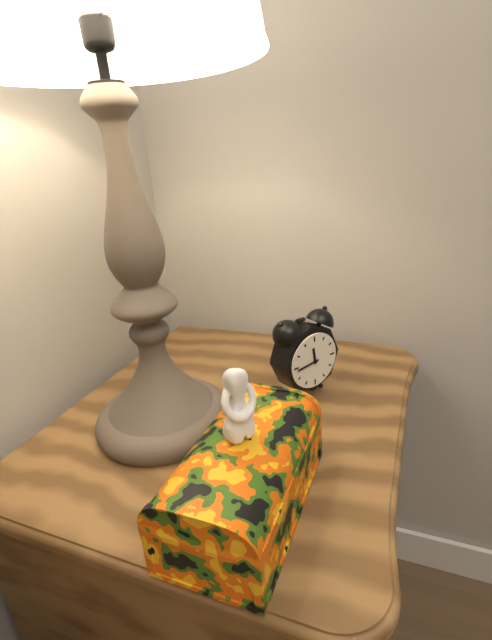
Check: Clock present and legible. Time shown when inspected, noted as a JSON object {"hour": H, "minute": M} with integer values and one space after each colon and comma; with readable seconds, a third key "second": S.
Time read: {"hour": 11, "minute": 44}
